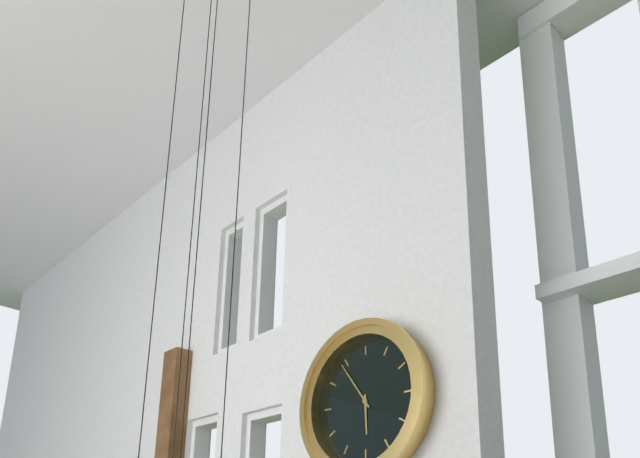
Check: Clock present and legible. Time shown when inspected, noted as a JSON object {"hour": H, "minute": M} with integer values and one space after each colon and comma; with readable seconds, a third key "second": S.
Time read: {"hour": 5, "minute": 54}
